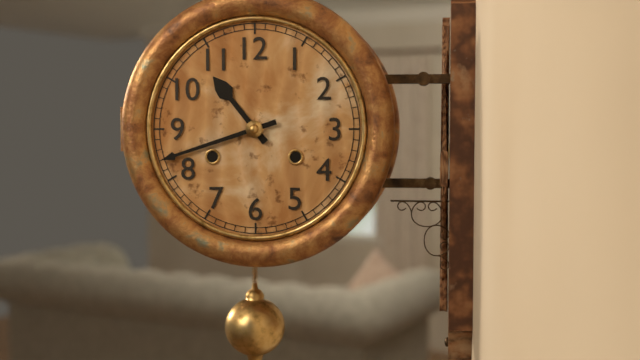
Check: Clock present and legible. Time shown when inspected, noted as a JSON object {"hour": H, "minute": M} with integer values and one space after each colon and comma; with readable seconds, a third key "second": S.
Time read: {"hour": 10, "minute": 42}
